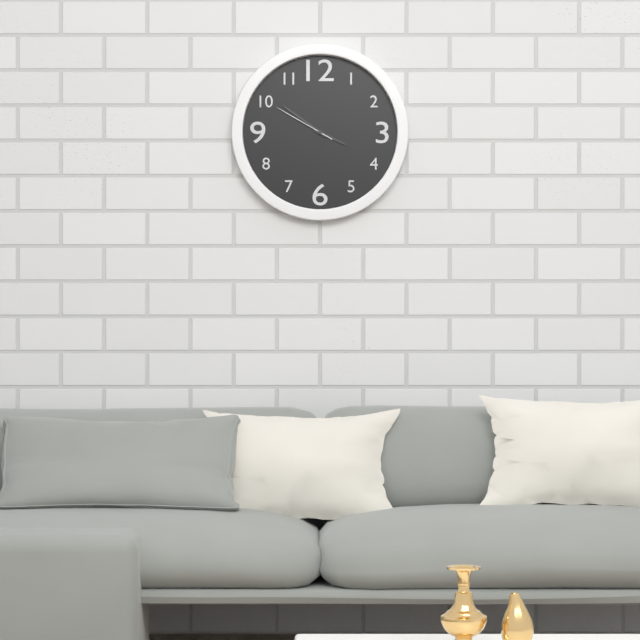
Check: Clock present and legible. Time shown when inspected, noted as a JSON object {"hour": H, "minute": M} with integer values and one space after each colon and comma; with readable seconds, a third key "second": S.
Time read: {"hour": 3, "minute": 51, "second": 50}
